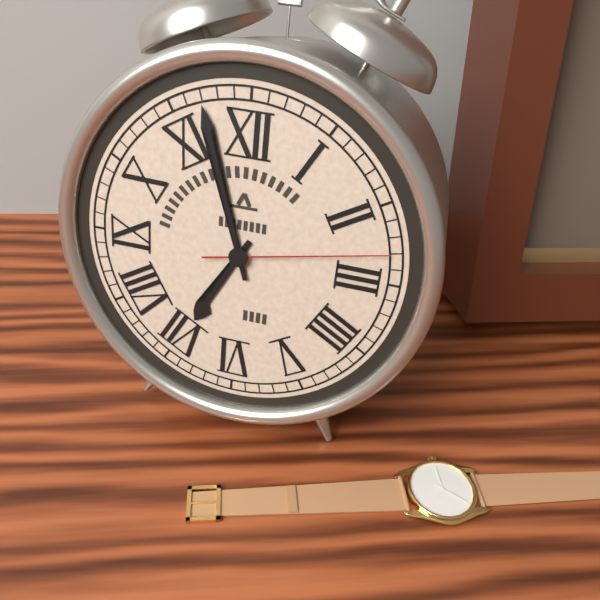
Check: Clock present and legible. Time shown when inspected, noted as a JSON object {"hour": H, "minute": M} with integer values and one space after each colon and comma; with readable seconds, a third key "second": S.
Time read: {"hour": 6, "minute": 57, "second": 13}
